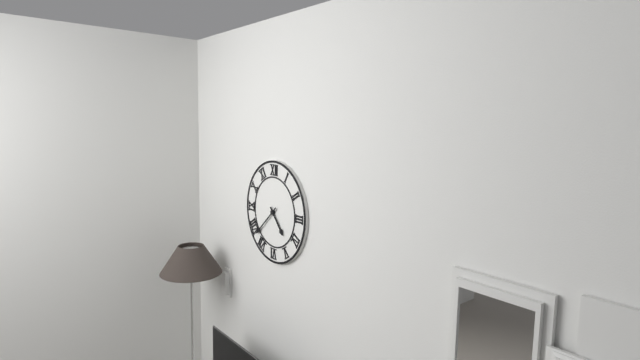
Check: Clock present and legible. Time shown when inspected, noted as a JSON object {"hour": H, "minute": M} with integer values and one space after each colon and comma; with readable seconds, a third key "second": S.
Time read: {"hour": 4, "minute": 38}
